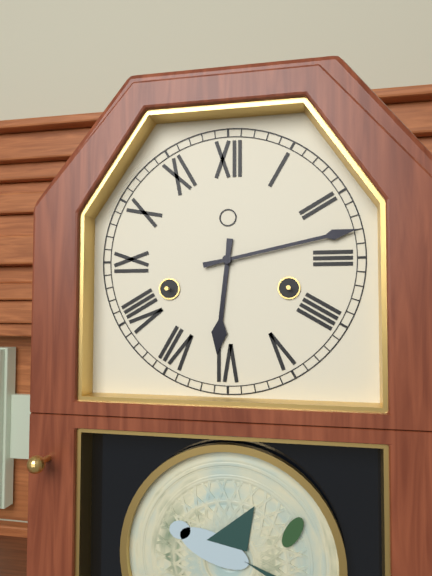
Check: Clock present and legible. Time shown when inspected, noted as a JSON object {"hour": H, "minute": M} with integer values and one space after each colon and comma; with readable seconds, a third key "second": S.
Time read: {"hour": 6, "minute": 13}
